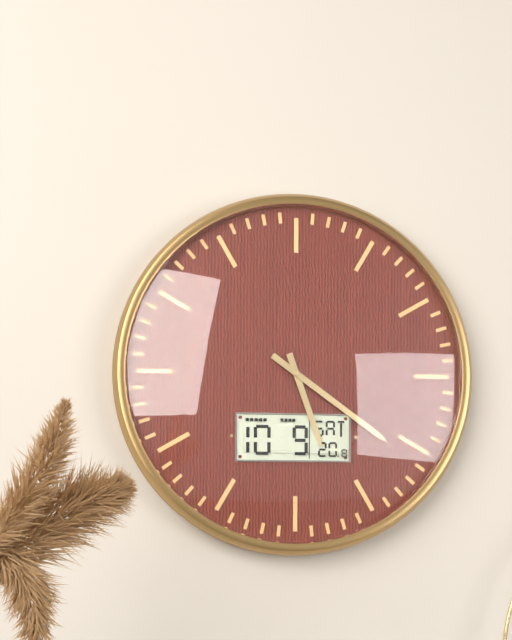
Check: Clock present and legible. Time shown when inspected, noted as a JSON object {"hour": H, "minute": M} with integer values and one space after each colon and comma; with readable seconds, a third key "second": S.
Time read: {"hour": 5, "minute": 21}
